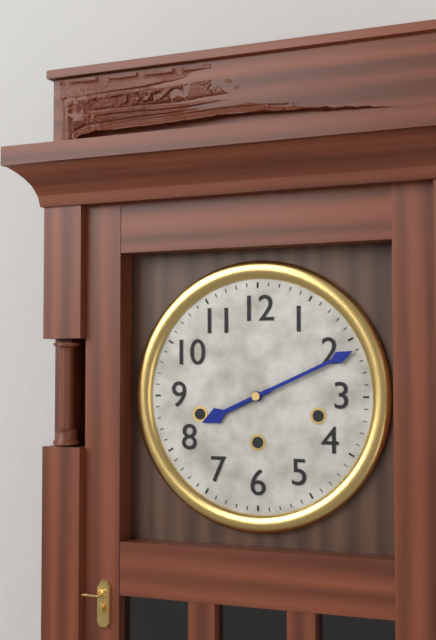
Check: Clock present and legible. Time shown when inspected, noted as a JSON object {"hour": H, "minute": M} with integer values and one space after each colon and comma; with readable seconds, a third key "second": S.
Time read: {"hour": 8, "minute": 11}
